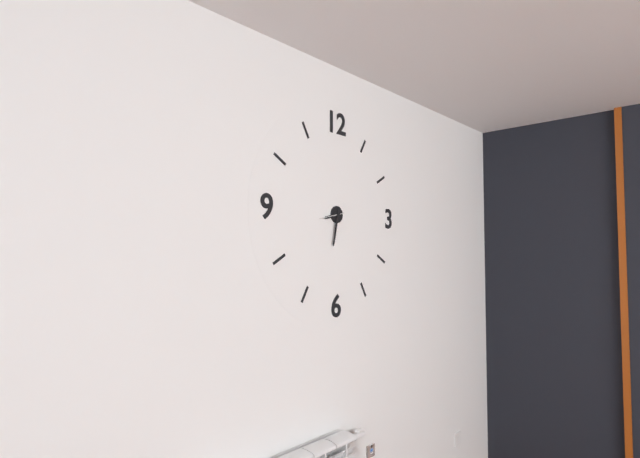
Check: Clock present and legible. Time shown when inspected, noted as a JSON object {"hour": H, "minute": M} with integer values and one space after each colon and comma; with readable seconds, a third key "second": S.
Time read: {"hour": 8, "minute": 32}
